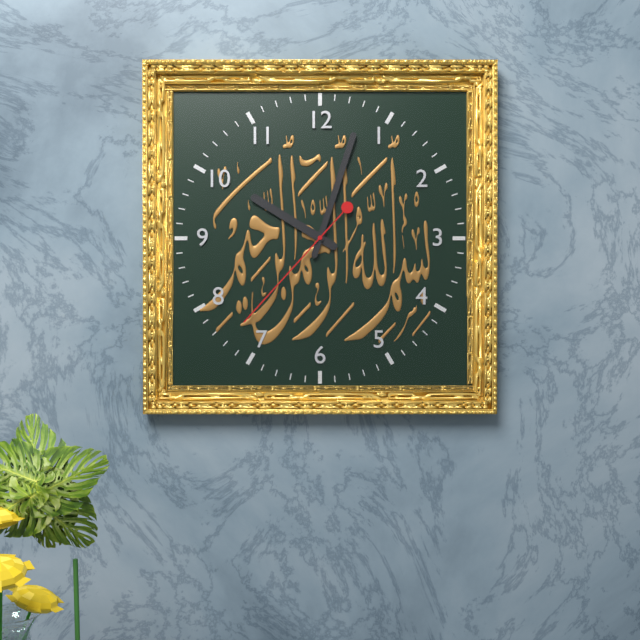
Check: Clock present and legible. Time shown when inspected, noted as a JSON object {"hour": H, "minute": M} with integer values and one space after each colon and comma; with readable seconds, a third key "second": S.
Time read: {"hour": 10, "minute": 3, "second": 37}
